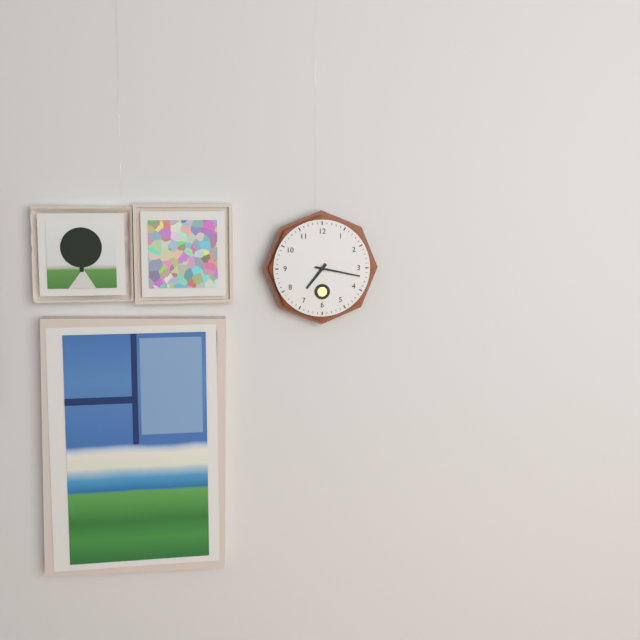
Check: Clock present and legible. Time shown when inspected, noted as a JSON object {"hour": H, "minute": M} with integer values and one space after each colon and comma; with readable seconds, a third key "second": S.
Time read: {"hour": 7, "minute": 17}
